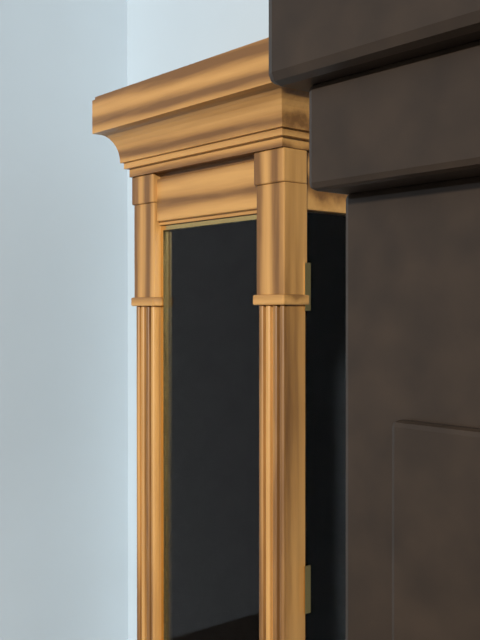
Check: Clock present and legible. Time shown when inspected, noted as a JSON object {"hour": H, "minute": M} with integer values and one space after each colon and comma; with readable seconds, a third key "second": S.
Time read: {"hour": 2, "minute": 6}
